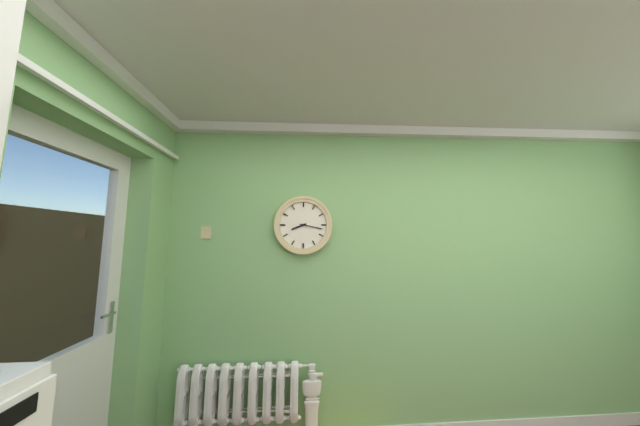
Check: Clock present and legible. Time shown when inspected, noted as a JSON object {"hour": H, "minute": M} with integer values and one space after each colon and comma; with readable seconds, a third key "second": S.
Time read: {"hour": 8, "minute": 17}
